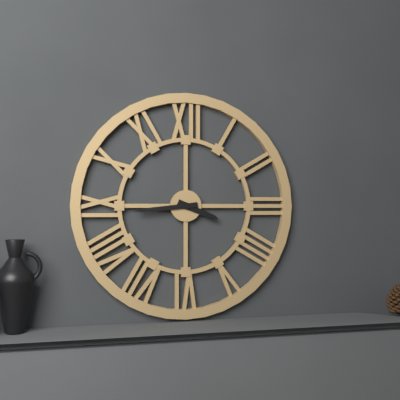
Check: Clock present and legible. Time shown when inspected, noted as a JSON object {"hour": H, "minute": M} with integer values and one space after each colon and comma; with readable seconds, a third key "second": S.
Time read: {"hour": 3, "minute": 44}
